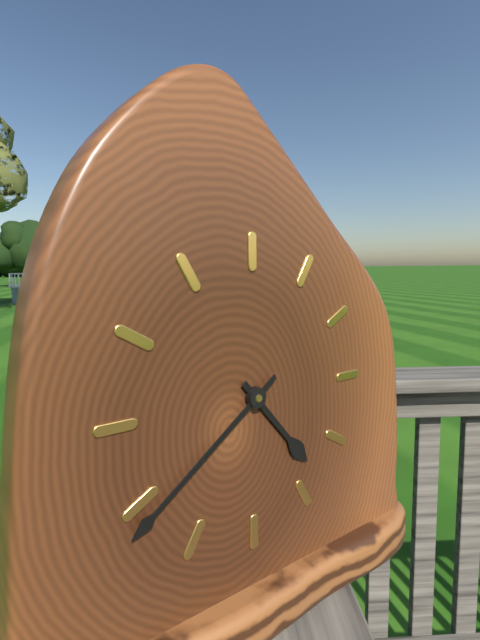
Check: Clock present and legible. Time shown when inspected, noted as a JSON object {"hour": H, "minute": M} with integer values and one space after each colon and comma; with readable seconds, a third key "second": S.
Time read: {"hour": 4, "minute": 39}
